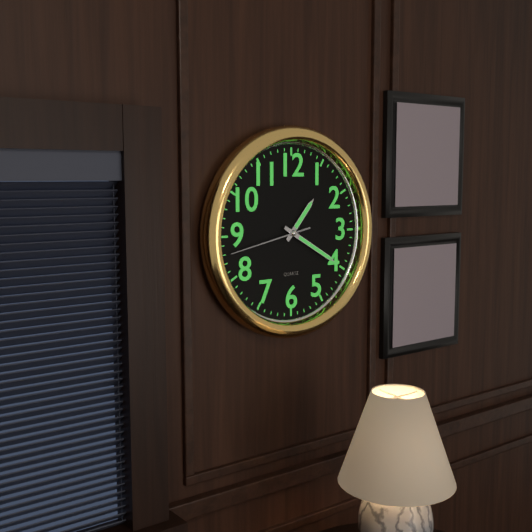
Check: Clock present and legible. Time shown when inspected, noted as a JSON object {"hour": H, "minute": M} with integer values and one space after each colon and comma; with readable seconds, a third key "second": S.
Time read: {"hour": 1, "minute": 20, "second": 43}
